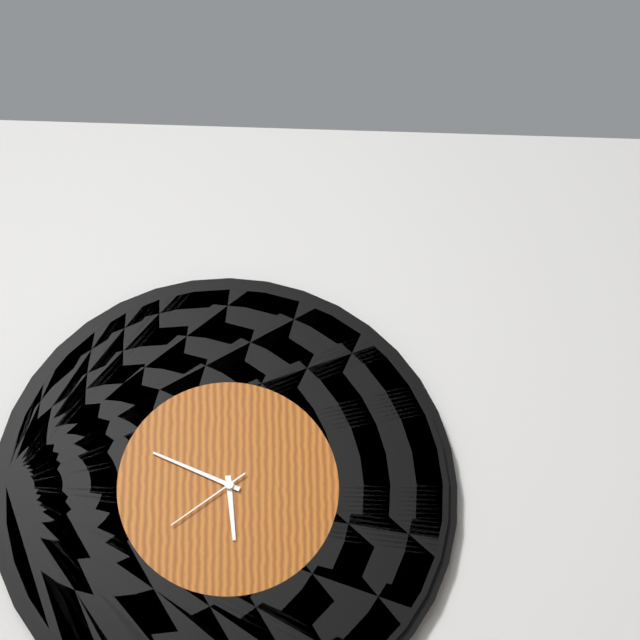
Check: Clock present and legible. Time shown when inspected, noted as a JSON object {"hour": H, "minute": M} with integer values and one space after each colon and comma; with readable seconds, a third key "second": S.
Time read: {"hour": 5, "minute": 49, "second": 39}
